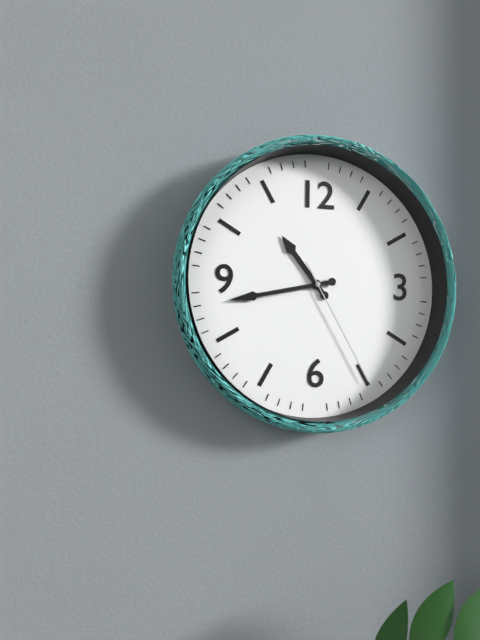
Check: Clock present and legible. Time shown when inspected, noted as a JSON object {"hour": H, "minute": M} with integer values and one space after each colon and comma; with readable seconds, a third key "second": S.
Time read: {"hour": 10, "minute": 43, "second": 25}
